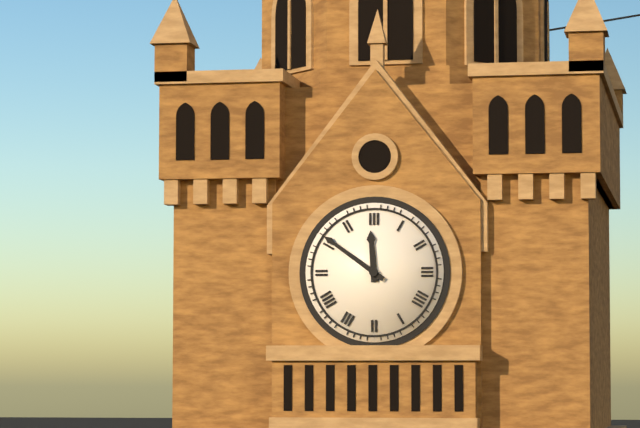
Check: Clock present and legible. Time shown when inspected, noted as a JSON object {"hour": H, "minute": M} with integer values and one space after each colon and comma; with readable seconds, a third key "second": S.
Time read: {"hour": 11, "minute": 51}
